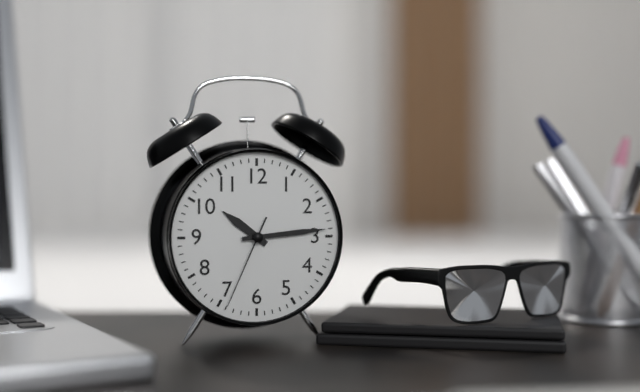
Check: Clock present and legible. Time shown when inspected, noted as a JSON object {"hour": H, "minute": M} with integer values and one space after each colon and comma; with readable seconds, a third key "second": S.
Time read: {"hour": 10, "minute": 14, "second": 34}
